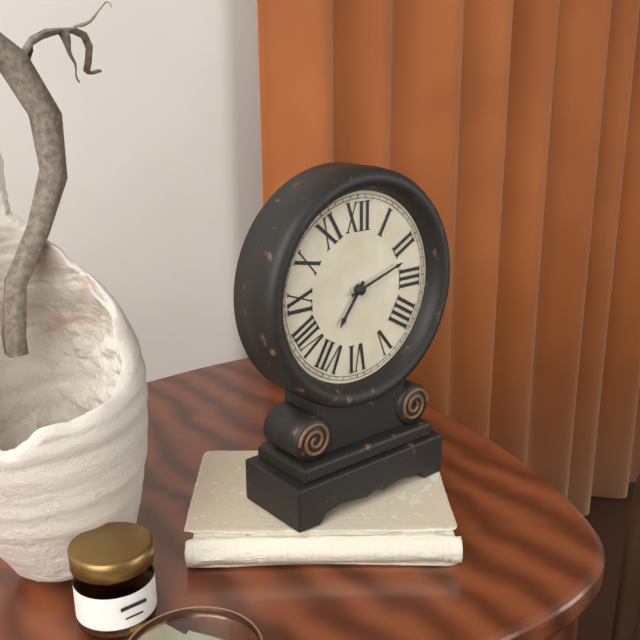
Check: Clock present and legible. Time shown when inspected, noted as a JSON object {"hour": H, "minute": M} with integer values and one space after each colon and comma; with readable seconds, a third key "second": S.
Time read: {"hour": 7, "minute": 12}
